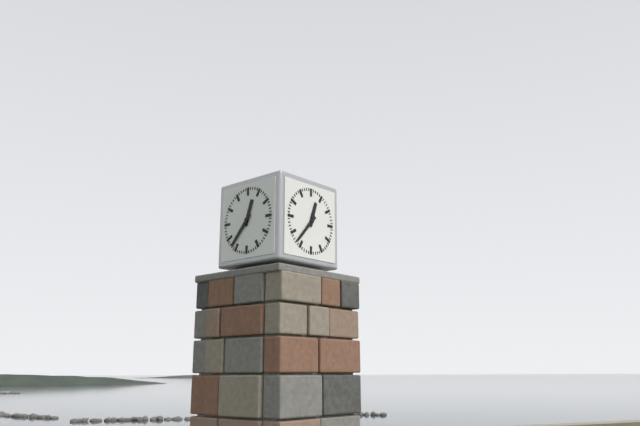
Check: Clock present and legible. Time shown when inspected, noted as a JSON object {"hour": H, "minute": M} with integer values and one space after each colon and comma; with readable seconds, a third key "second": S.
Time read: {"hour": 12, "minute": 37}
